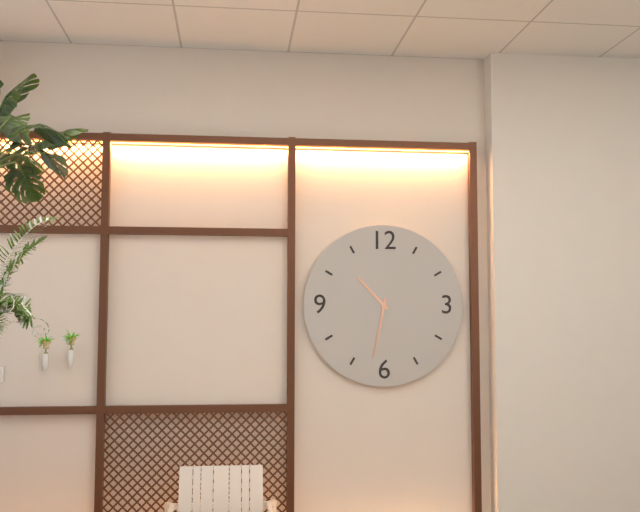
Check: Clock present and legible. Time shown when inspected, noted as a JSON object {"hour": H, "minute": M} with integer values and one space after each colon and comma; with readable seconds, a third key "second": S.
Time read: {"hour": 10, "minute": 32}
